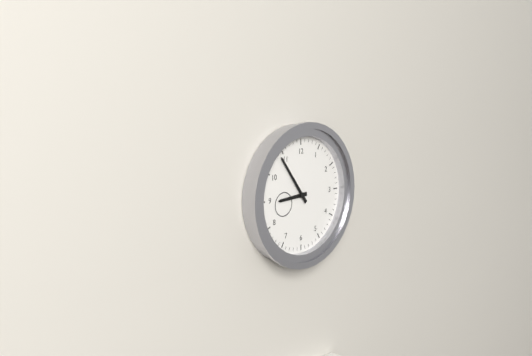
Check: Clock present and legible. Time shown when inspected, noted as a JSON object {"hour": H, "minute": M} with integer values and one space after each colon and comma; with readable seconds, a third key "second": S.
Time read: {"hour": 8, "minute": 54}
